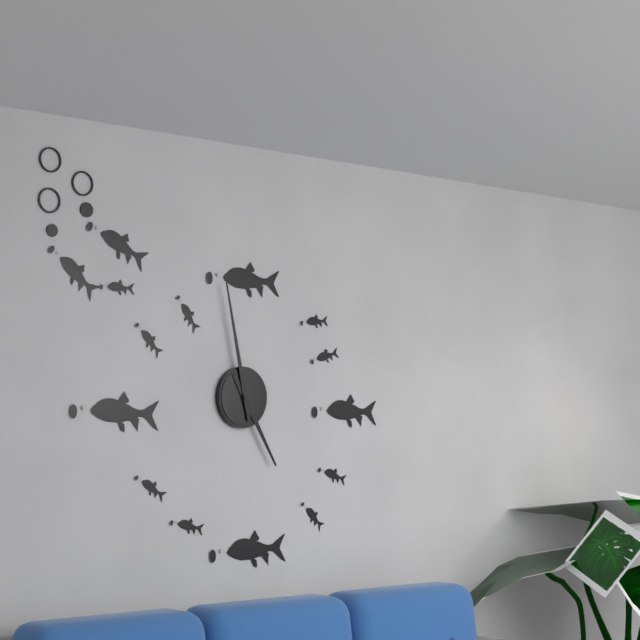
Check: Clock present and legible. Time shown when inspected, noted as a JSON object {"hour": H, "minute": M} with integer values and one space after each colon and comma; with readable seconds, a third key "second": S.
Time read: {"hour": 4, "minute": 58}
